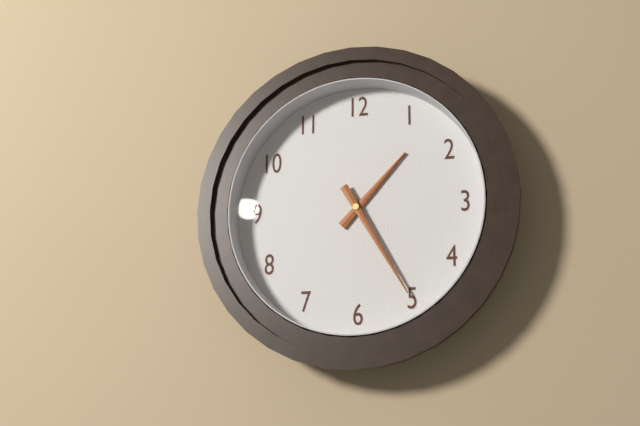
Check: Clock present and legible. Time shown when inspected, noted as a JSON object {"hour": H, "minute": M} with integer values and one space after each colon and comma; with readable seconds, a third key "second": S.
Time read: {"hour": 1, "minute": 25}
